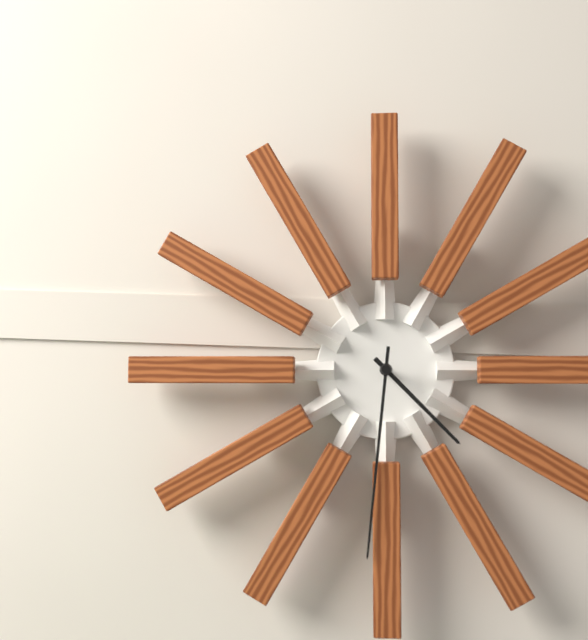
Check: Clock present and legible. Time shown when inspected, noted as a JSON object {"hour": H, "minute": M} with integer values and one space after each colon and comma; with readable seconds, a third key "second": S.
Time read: {"hour": 4, "minute": 31}
